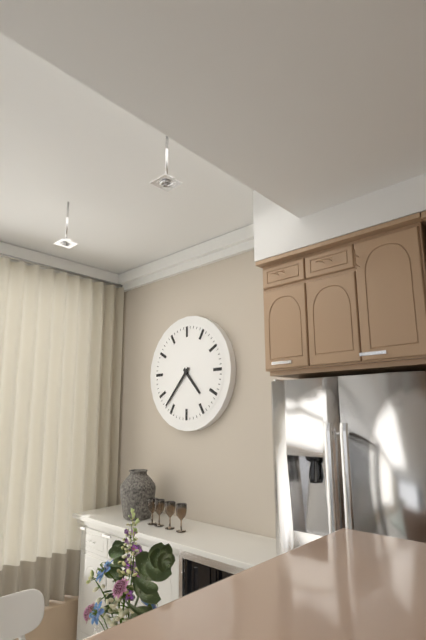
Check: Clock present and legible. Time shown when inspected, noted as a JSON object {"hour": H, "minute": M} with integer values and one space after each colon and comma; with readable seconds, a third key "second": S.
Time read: {"hour": 4, "minute": 37}
